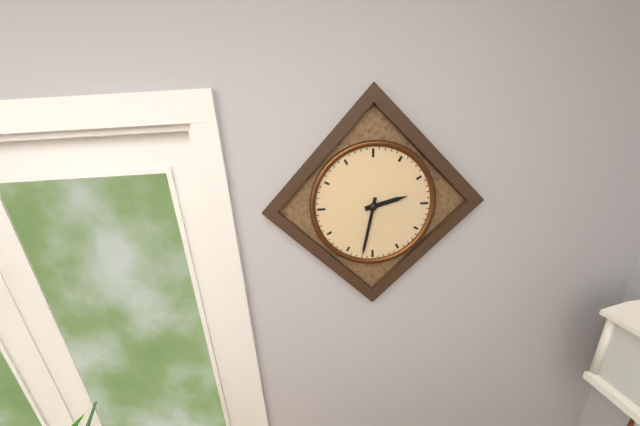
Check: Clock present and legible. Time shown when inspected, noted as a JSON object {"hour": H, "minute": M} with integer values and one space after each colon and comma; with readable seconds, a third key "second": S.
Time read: {"hour": 2, "minute": 32}
